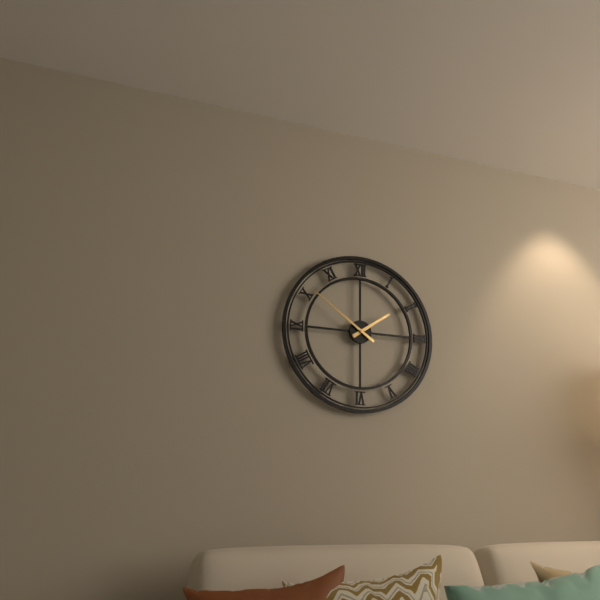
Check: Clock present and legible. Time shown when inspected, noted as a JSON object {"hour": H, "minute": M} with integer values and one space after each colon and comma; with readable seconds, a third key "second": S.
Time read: {"hour": 1, "minute": 51}
